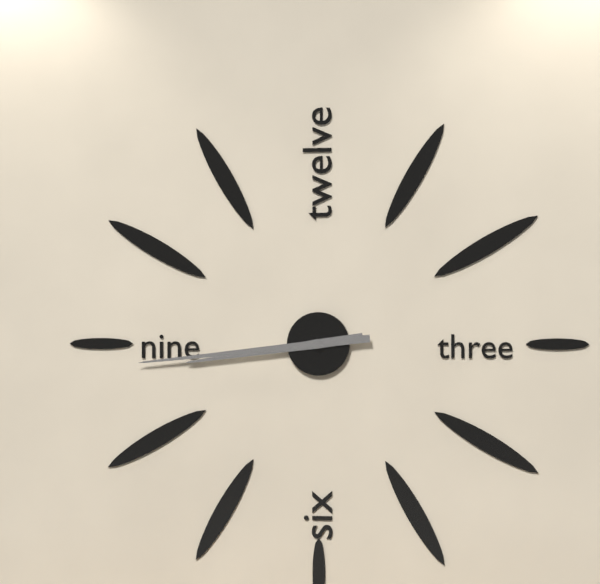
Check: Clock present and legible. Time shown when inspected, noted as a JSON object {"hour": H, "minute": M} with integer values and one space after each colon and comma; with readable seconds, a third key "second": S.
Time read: {"hour": 8, "minute": 44}
